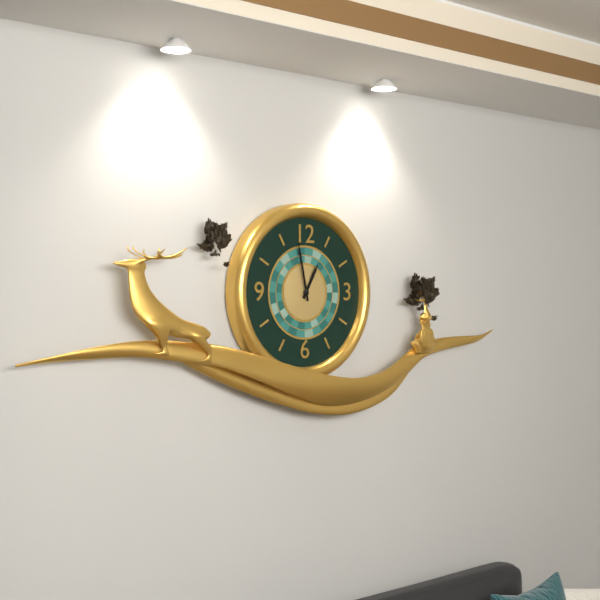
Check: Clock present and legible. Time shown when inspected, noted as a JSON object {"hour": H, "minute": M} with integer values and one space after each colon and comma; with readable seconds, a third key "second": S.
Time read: {"hour": 12, "minute": 58}
